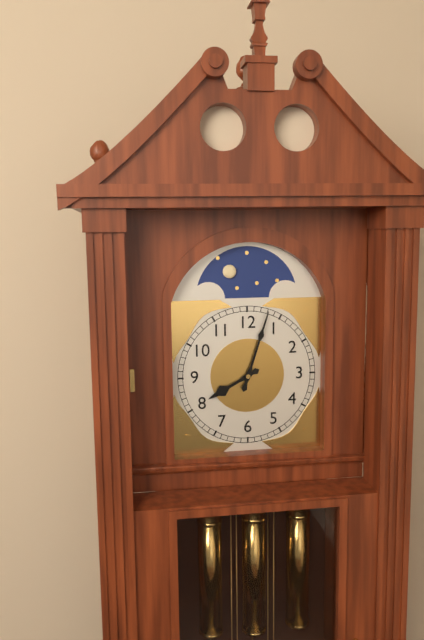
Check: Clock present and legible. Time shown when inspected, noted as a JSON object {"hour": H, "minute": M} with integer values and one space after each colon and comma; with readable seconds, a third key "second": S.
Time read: {"hour": 8, "minute": 3}
